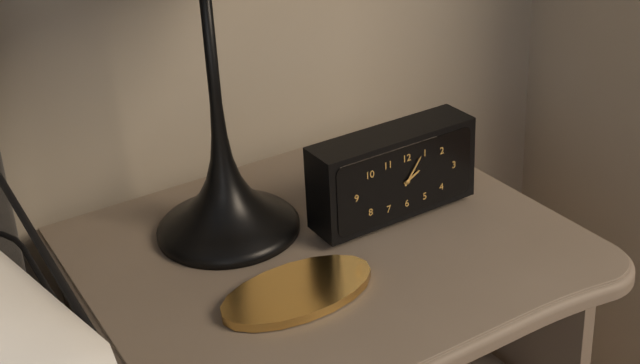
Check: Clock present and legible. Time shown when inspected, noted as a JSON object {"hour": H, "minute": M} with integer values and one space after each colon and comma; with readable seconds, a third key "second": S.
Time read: {"hour": 2, "minute": 6}
